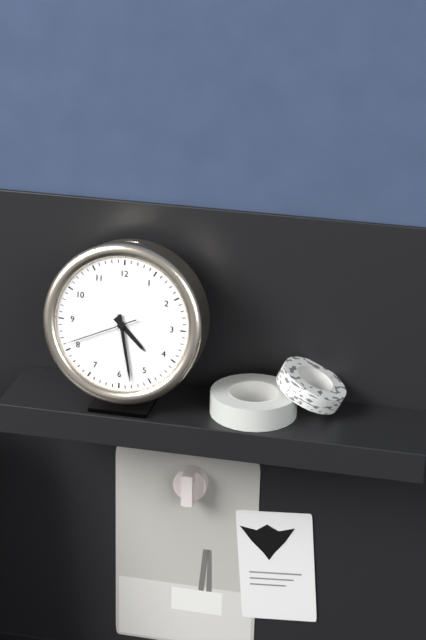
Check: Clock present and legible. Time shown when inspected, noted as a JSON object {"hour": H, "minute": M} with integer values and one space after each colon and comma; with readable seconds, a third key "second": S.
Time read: {"hour": 4, "minute": 28, "second": 41}
